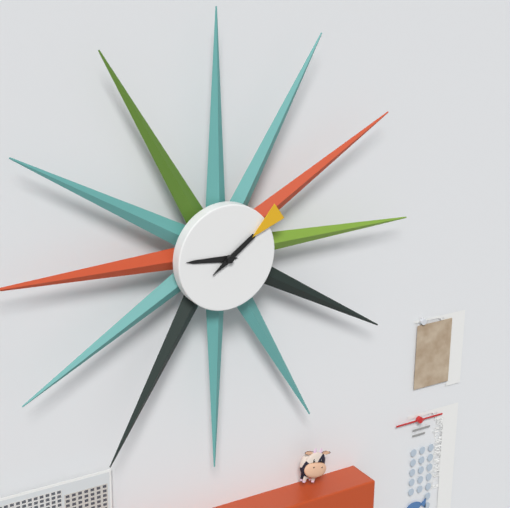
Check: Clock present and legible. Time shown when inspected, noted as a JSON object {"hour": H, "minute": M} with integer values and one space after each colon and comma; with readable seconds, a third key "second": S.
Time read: {"hour": 9, "minute": 9}
